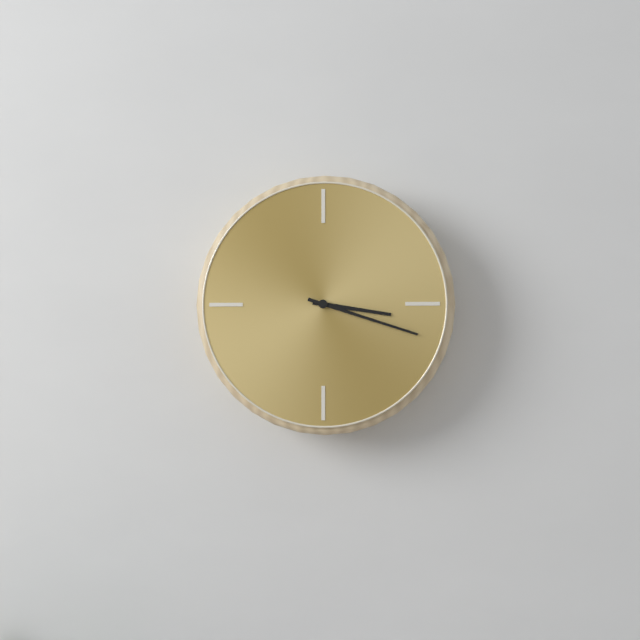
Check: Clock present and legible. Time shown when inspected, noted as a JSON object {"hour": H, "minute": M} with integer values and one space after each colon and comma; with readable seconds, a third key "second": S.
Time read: {"hour": 3, "minute": 18}
